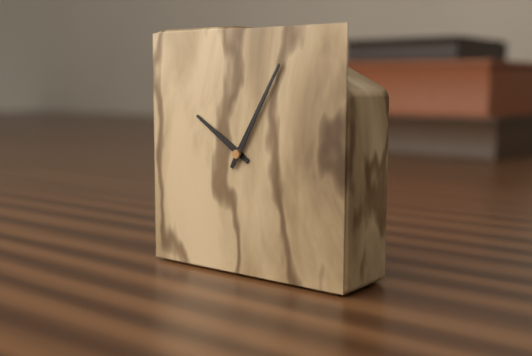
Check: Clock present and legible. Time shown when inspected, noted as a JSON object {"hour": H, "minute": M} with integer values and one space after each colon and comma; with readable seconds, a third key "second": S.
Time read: {"hour": 10, "minute": 5}
